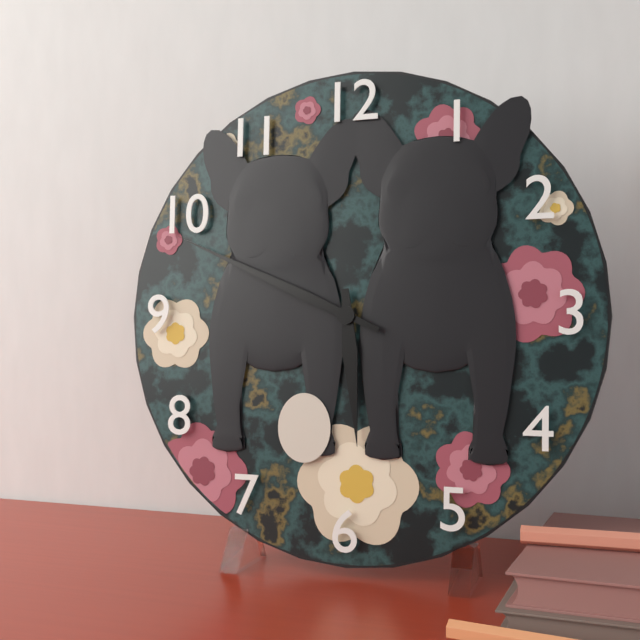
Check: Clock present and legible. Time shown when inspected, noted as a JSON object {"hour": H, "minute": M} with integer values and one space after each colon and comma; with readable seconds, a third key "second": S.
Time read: {"hour": 5, "minute": 49}
